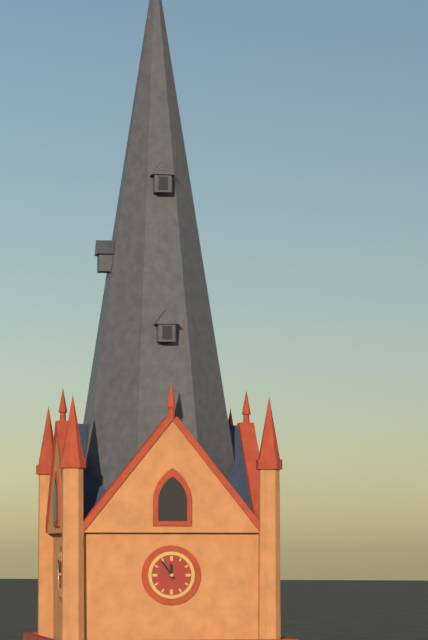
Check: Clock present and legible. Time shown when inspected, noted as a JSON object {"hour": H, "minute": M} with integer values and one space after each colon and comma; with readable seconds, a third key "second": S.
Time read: {"hour": 11, "minute": 54}
